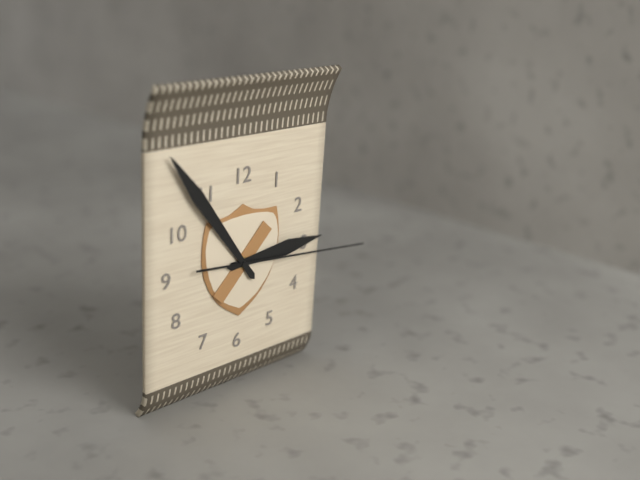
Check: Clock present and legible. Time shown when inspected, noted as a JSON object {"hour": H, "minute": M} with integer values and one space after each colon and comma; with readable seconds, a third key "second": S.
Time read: {"hour": 2, "minute": 54, "second": 16}
